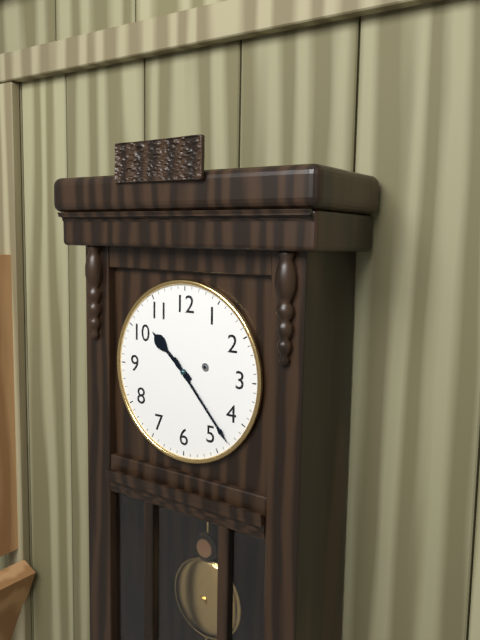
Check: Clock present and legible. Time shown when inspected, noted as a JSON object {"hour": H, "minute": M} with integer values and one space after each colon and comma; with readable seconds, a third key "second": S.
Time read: {"hour": 10, "minute": 23}
